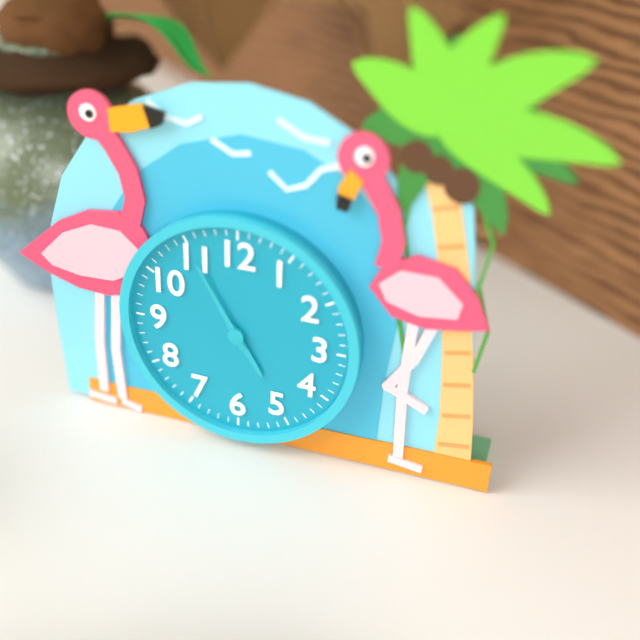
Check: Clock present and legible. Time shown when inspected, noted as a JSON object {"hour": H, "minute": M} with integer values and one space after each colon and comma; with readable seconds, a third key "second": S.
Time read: {"hour": 4, "minute": 55}
